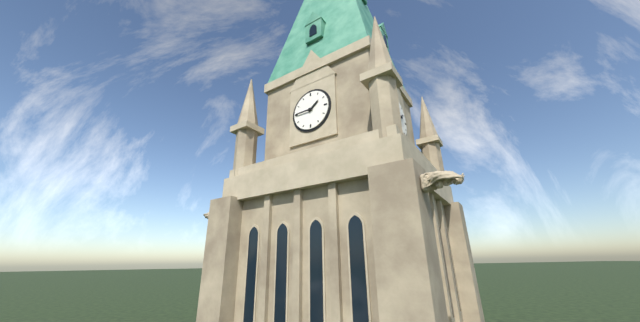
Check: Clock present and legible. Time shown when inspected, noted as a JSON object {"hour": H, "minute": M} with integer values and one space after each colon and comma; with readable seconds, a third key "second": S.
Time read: {"hour": 1, "minute": 45}
